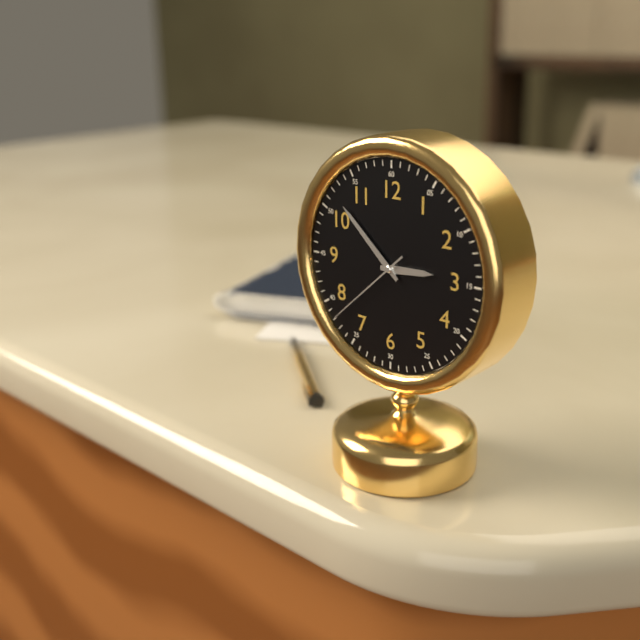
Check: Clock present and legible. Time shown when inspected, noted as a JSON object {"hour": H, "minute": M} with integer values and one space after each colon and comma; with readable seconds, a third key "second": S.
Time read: {"hour": 2, "minute": 52, "second": 38}
